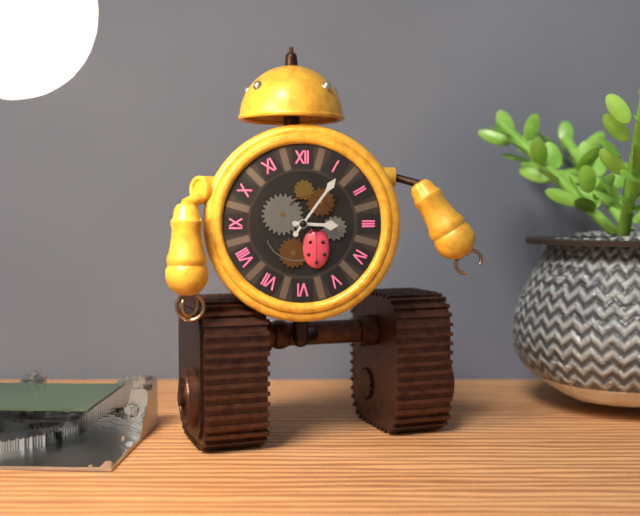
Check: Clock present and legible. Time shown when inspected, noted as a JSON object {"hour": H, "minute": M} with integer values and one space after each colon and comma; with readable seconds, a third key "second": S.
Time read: {"hour": 3, "minute": 6}
